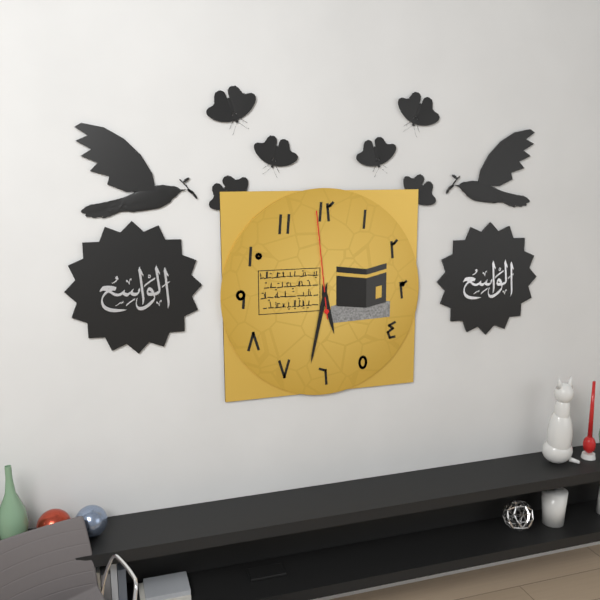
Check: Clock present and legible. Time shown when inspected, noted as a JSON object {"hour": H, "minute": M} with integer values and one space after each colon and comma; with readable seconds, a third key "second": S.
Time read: {"hour": 5, "minute": 32, "second": 59}
